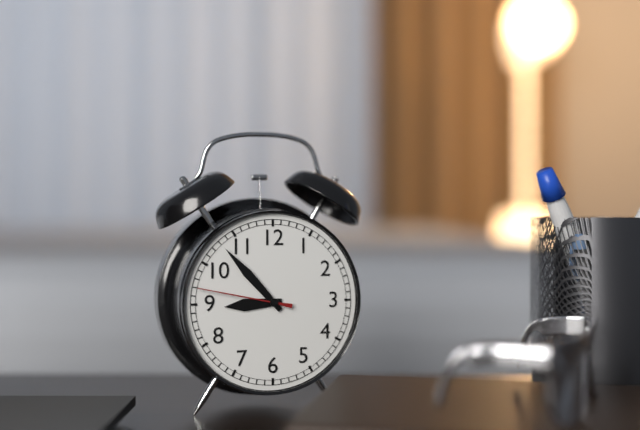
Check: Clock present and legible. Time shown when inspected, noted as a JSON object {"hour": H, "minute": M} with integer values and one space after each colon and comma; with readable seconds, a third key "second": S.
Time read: {"hour": 8, "minute": 53, "second": 47}
